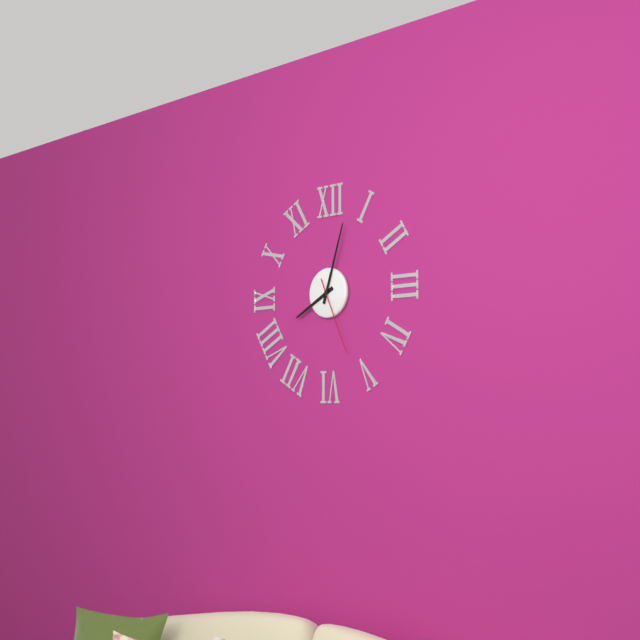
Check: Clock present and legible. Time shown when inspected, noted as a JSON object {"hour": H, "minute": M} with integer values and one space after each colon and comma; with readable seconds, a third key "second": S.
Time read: {"hour": 8, "minute": 3, "second": 26}
